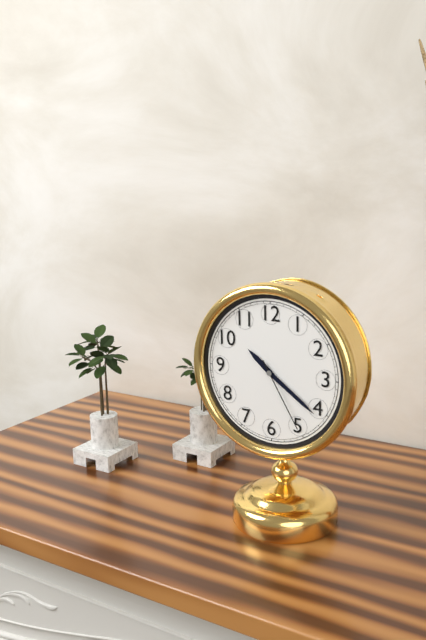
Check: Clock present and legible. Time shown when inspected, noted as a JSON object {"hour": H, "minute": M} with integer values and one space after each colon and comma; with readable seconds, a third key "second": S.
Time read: {"hour": 10, "minute": 21, "second": 25}
